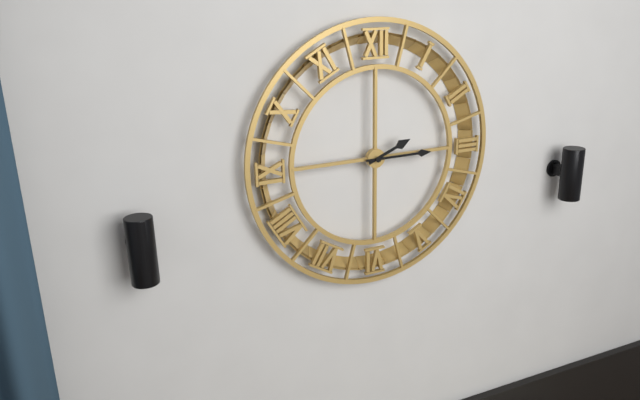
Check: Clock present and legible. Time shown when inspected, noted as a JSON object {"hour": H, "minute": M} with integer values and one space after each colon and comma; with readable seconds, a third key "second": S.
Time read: {"hour": 2, "minute": 15}
